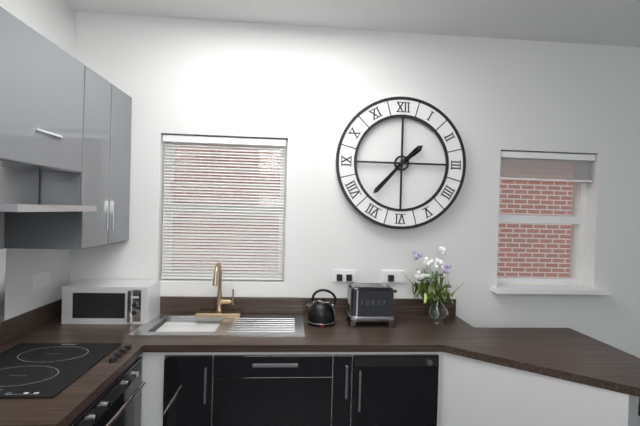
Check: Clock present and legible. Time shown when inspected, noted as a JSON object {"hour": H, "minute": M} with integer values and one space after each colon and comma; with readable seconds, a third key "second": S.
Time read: {"hour": 1, "minute": 37}
